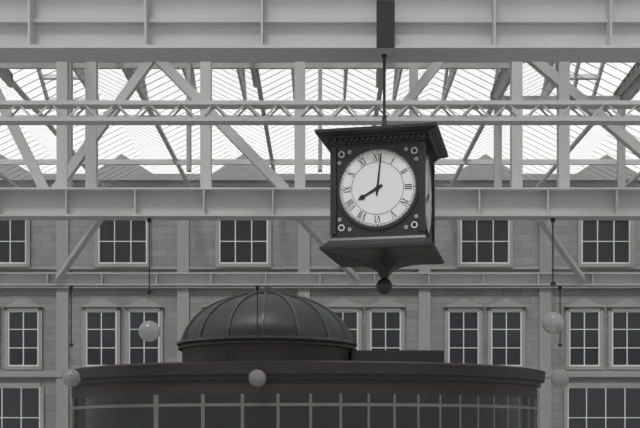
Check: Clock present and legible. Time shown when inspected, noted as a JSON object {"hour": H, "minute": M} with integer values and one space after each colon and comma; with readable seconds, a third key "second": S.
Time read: {"hour": 8, "minute": 1}
